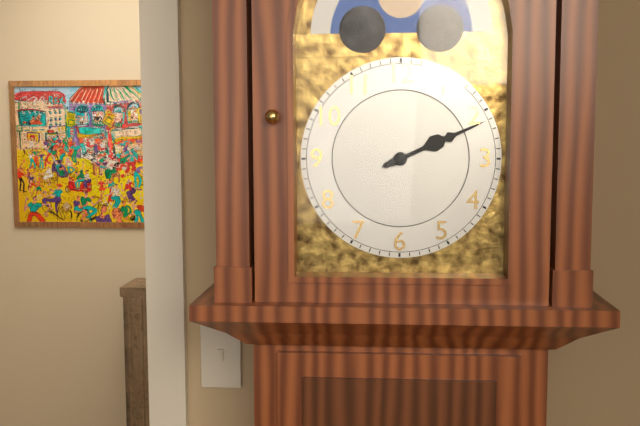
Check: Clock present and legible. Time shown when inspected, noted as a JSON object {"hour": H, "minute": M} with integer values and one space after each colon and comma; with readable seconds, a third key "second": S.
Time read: {"hour": 2, "minute": 11}
